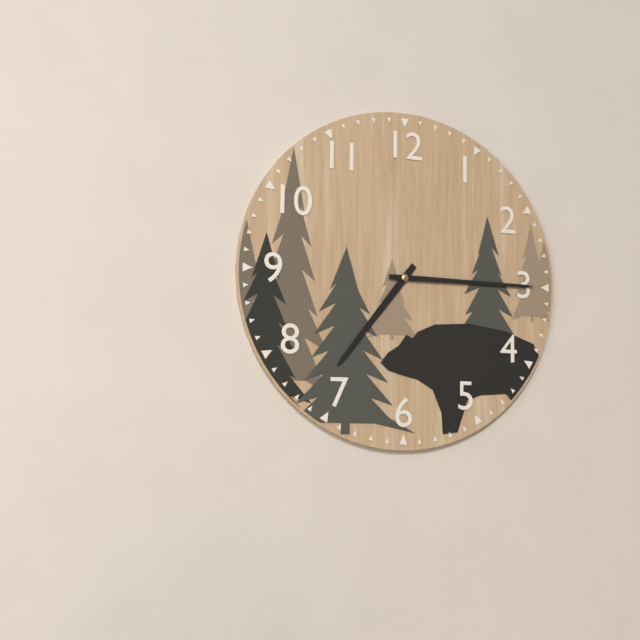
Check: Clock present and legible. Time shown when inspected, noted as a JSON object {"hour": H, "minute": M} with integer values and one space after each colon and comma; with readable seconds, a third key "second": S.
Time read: {"hour": 7, "minute": 15}
